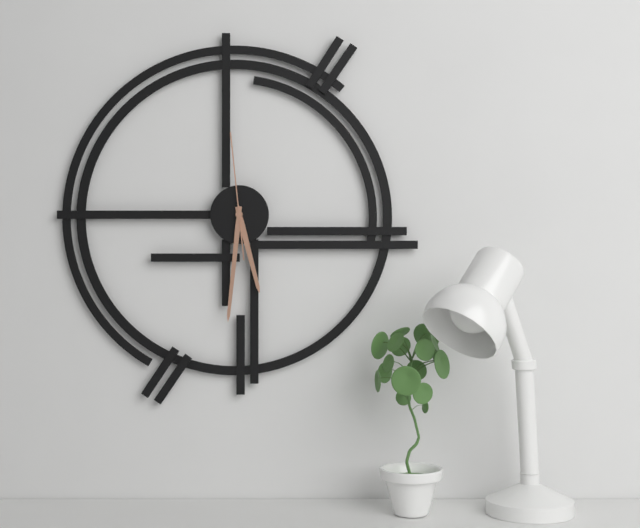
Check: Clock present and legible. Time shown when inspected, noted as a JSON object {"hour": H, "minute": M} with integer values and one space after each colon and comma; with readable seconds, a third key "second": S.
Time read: {"hour": 5, "minute": 31, "second": 59}
